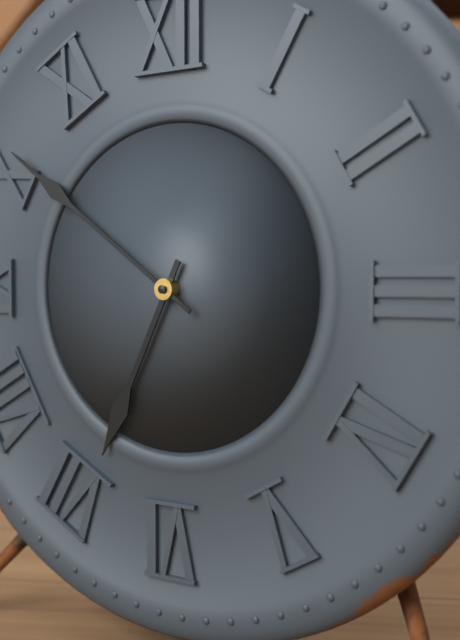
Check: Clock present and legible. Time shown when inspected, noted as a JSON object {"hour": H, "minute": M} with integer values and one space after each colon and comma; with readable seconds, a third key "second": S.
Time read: {"hour": 6, "minute": 51}
